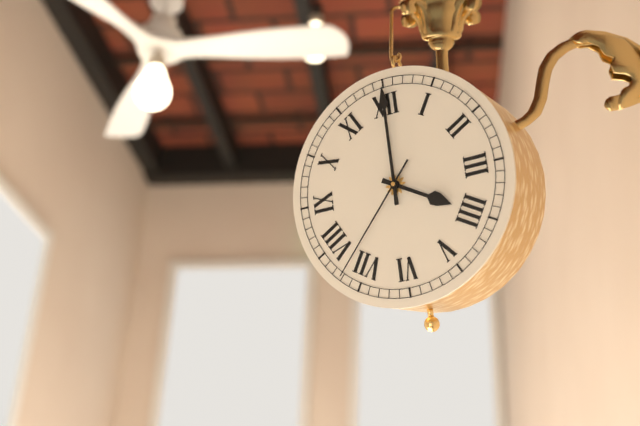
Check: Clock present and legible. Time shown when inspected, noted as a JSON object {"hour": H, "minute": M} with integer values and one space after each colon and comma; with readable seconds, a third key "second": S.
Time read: {"hour": 4, "minute": 0, "second": 37}
